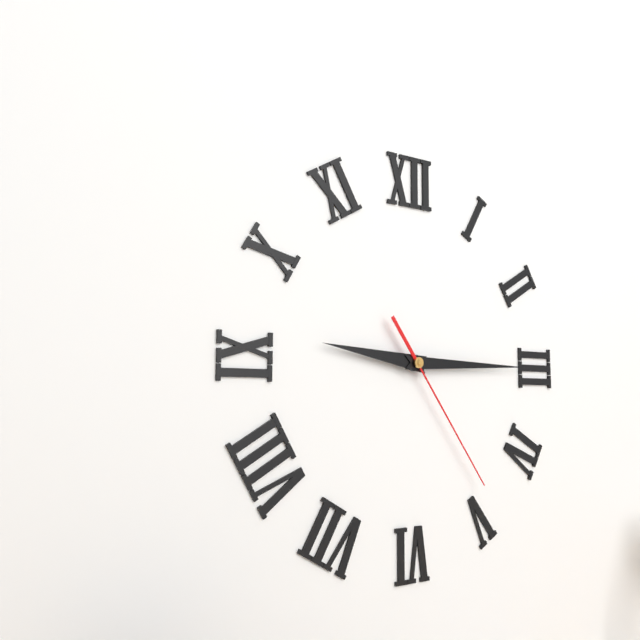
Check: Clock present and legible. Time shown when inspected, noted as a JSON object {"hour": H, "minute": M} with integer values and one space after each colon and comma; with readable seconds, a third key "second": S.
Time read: {"hour": 9, "minute": 15, "second": 24}
